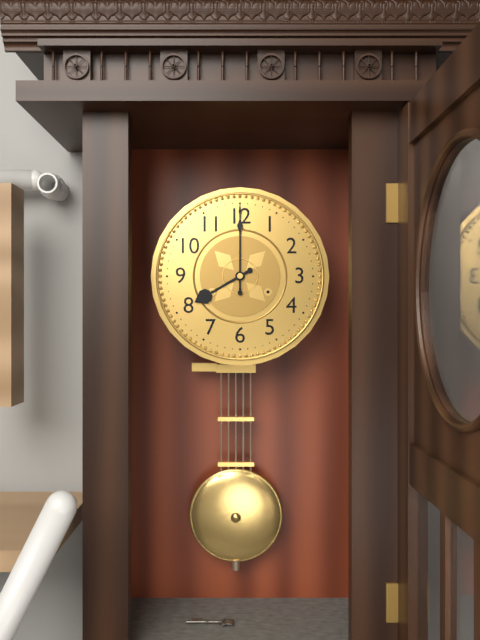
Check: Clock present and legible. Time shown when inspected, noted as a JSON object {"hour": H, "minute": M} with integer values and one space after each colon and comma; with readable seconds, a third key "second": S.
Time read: {"hour": 8, "minute": 0}
